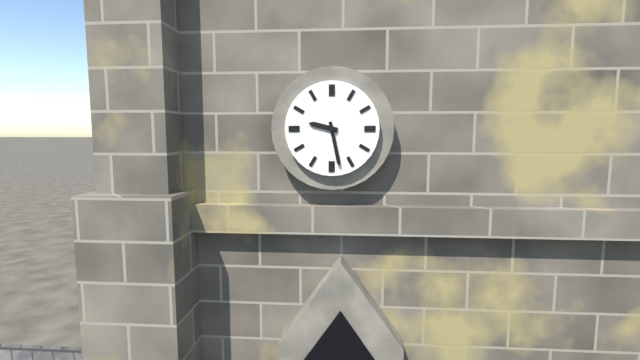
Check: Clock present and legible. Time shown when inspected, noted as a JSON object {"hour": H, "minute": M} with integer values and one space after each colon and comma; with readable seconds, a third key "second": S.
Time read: {"hour": 9, "minute": 28}
